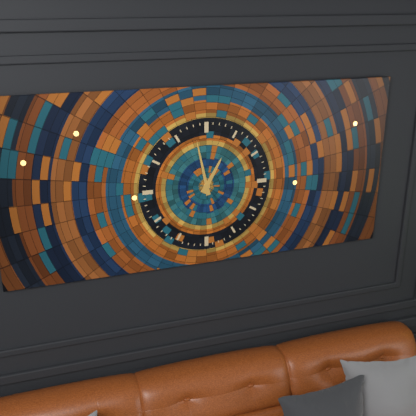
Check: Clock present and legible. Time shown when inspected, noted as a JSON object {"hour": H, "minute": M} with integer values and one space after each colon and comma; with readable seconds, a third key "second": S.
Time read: {"hour": 12, "minute": 58}
